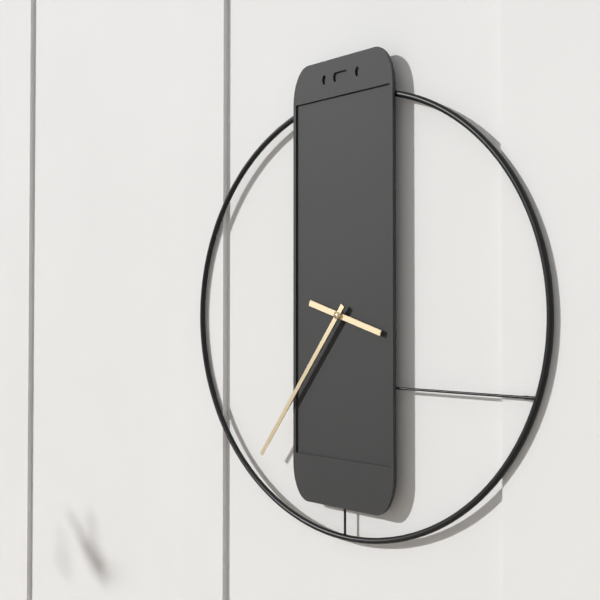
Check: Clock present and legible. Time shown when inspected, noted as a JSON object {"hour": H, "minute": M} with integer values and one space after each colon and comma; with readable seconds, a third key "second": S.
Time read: {"hour": 3, "minute": 36}
